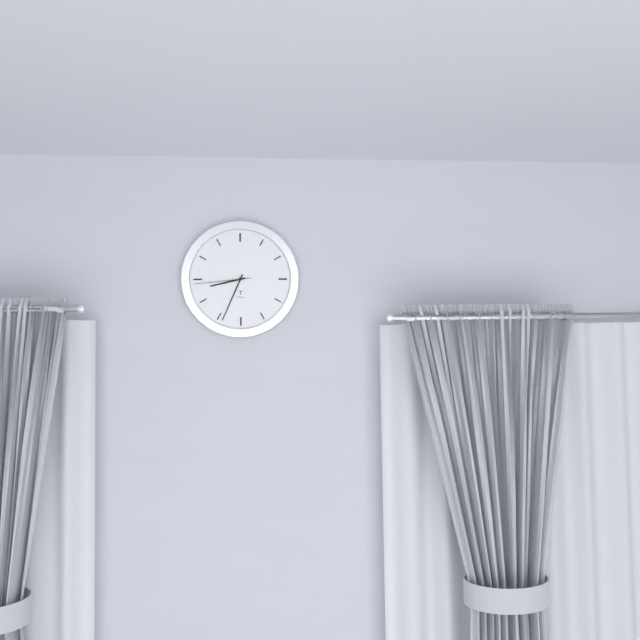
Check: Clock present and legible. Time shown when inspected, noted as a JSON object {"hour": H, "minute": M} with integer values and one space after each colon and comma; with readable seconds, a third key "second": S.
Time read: {"hour": 8, "minute": 34, "second": 44}
